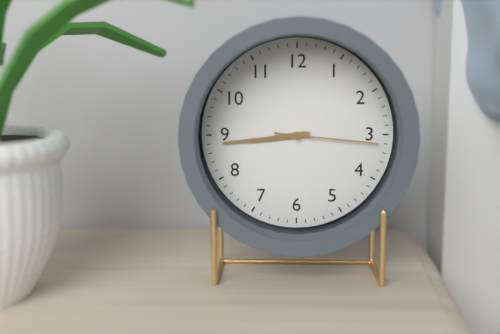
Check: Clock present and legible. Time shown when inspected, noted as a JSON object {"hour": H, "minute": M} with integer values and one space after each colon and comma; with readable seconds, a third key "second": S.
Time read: {"hour": 8, "minute": 44, "second": 16}
